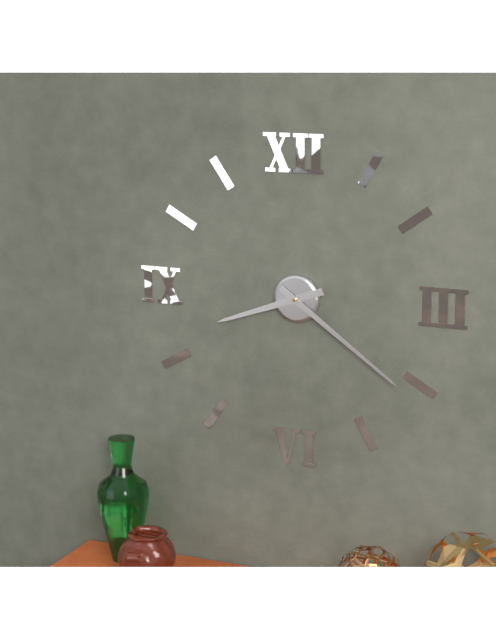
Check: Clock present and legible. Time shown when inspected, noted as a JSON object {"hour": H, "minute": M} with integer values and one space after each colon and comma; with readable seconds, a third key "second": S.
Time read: {"hour": 8, "minute": 21}
